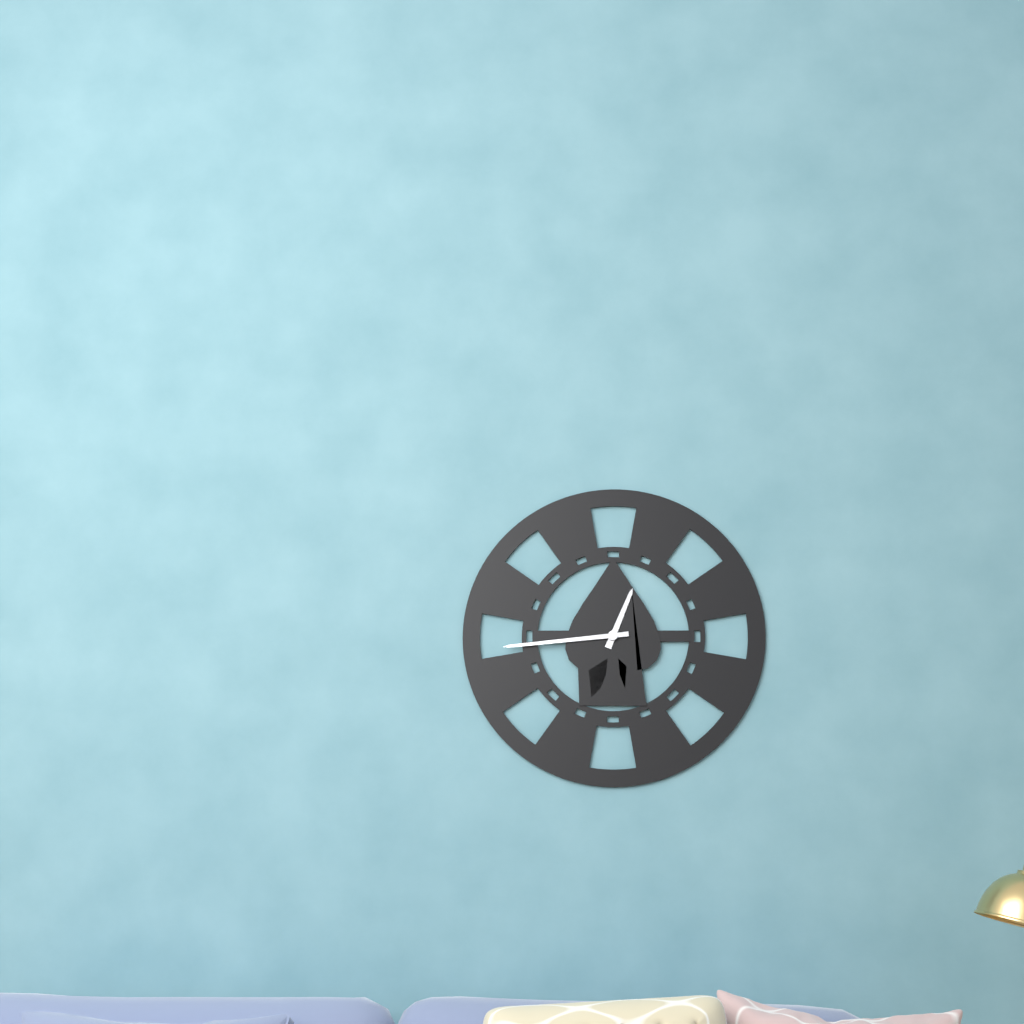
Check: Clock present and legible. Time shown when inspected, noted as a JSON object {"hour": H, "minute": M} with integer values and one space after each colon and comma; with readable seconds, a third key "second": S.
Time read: {"hour": 12, "minute": 44}
